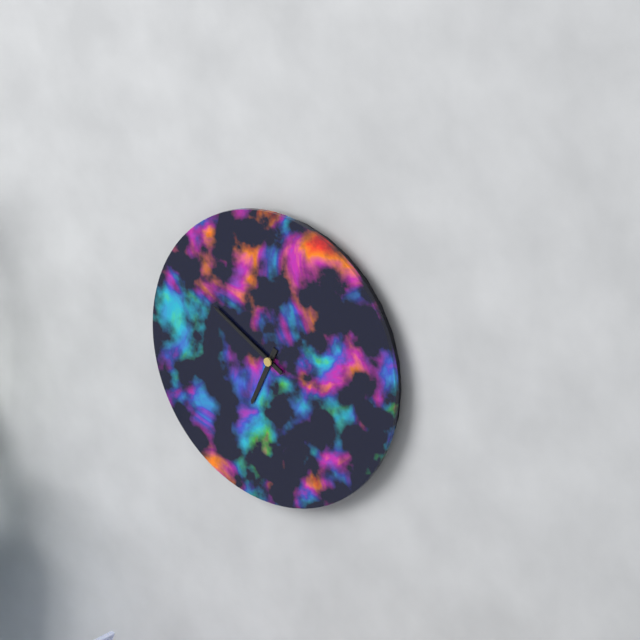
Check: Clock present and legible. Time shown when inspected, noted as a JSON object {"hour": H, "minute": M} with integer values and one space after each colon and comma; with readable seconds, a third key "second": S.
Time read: {"hour": 6, "minute": 50}
